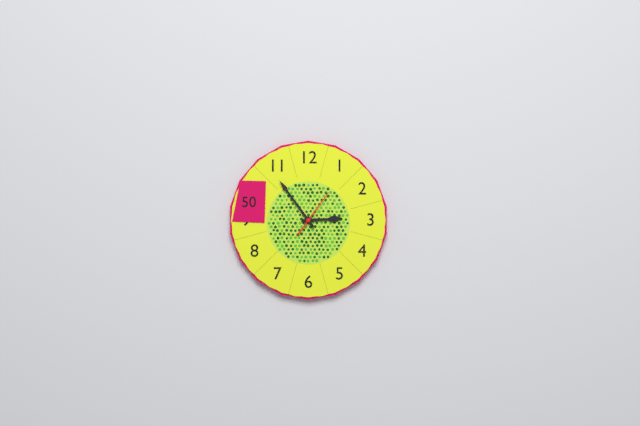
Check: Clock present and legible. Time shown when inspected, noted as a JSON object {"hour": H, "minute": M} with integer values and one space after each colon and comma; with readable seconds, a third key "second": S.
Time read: {"hour": 2, "minute": 54}
